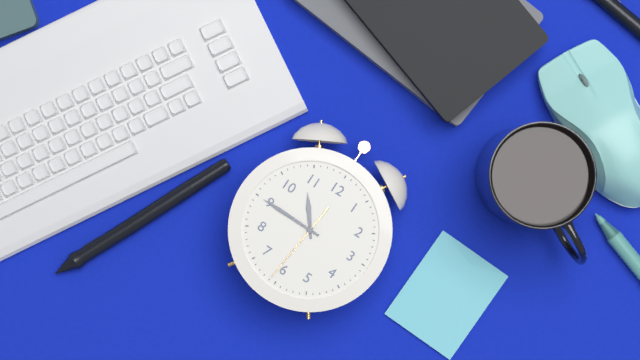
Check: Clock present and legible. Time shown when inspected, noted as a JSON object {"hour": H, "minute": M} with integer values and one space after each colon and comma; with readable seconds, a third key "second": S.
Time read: {"hour": 10, "minute": 45, "second": 31}
